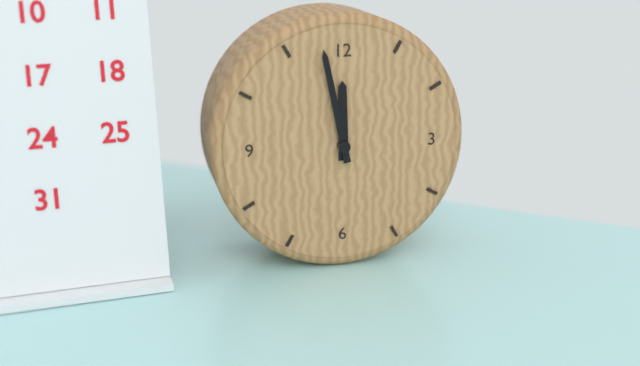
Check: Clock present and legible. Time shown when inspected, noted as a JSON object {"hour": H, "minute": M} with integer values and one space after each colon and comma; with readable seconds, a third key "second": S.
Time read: {"hour": 11, "minute": 58}
